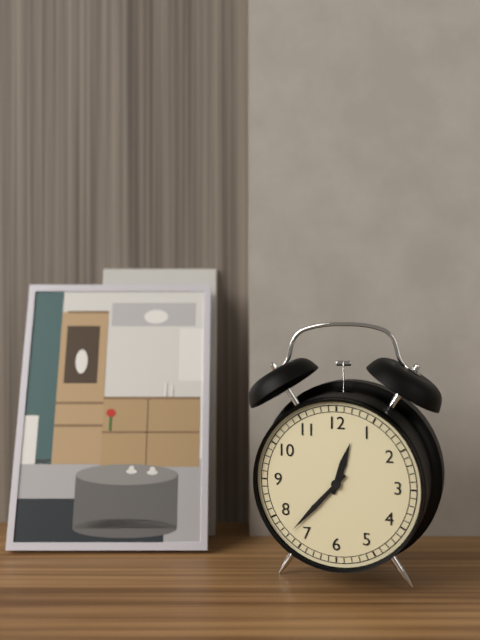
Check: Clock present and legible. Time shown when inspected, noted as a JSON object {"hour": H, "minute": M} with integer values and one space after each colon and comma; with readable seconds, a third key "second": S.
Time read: {"hour": 12, "minute": 37}
